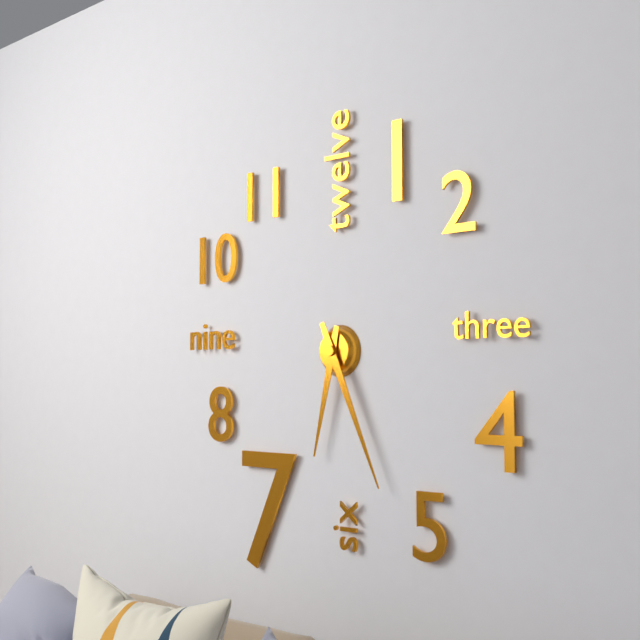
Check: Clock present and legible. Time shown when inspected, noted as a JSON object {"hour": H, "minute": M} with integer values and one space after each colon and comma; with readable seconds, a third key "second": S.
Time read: {"hour": 6, "minute": 26}
